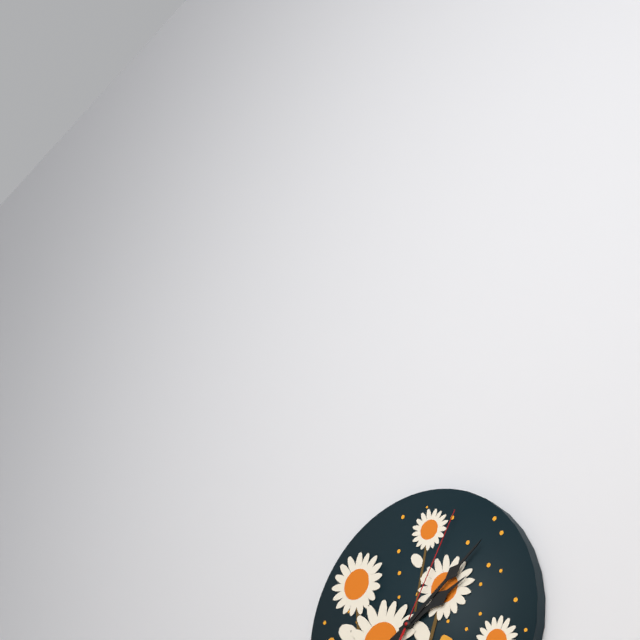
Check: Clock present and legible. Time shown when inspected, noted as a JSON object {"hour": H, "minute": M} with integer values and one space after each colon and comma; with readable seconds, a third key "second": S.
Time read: {"hour": 2, "minute": 9, "second": 5}
